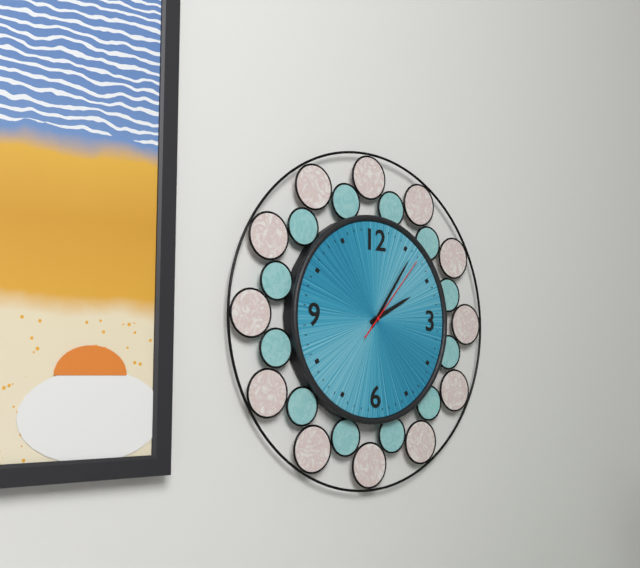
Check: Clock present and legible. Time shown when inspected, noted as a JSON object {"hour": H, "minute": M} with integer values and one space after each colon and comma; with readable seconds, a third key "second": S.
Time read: {"hour": 2, "minute": 6, "second": 7}
